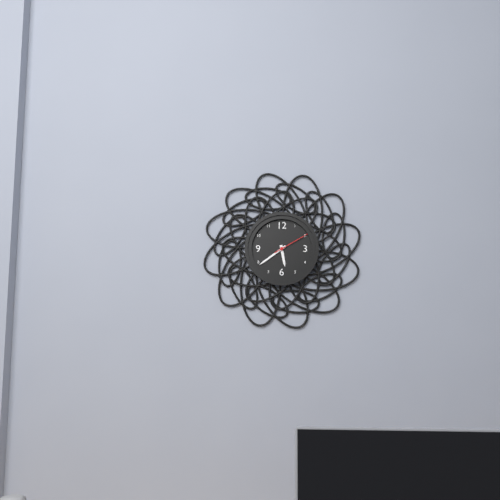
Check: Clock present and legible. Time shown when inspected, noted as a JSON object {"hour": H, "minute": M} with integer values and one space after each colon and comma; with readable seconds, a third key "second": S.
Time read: {"hour": 5, "minute": 39}
